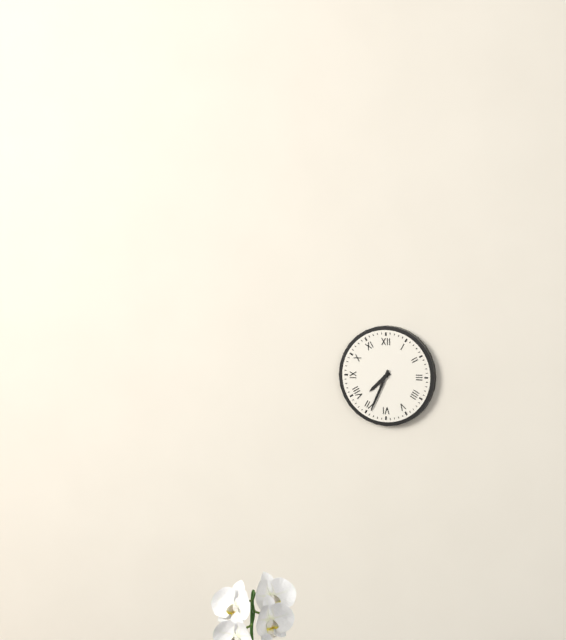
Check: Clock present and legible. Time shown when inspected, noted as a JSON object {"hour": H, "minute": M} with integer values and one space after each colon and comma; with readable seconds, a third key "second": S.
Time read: {"hour": 7, "minute": 34}
